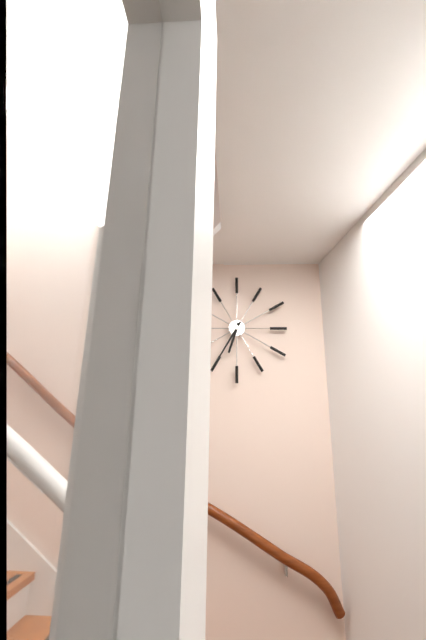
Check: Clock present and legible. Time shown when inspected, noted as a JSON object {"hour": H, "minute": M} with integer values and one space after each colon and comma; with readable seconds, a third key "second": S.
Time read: {"hour": 6, "minute": 35}
